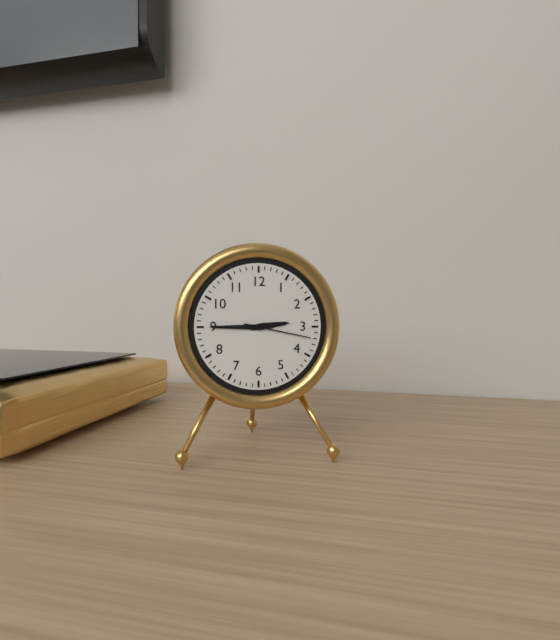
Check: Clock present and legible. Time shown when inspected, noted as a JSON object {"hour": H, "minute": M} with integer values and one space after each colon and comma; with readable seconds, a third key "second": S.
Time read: {"hour": 2, "minute": 45, "second": 17}
